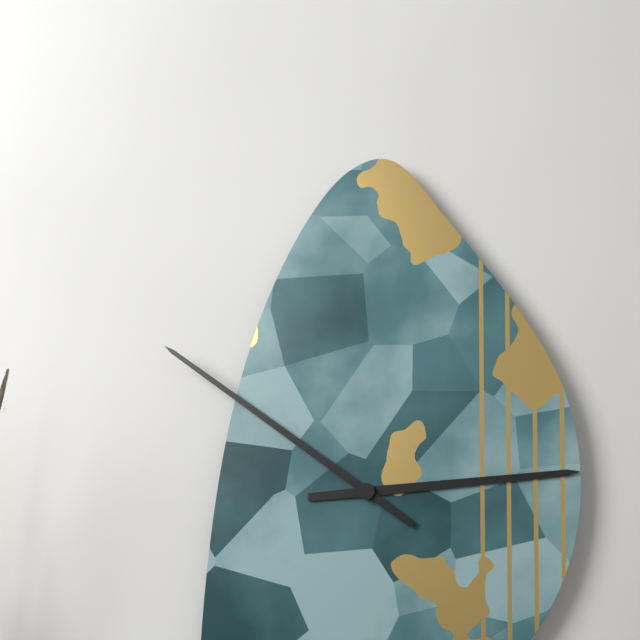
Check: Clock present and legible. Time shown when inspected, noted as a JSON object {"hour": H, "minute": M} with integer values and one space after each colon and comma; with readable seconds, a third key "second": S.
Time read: {"hour": 2, "minute": 51}
